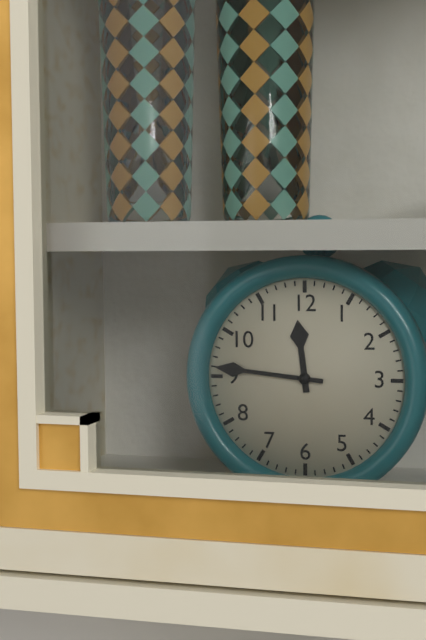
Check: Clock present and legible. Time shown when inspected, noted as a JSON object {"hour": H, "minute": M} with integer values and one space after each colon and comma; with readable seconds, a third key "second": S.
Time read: {"hour": 11, "minute": 46}
